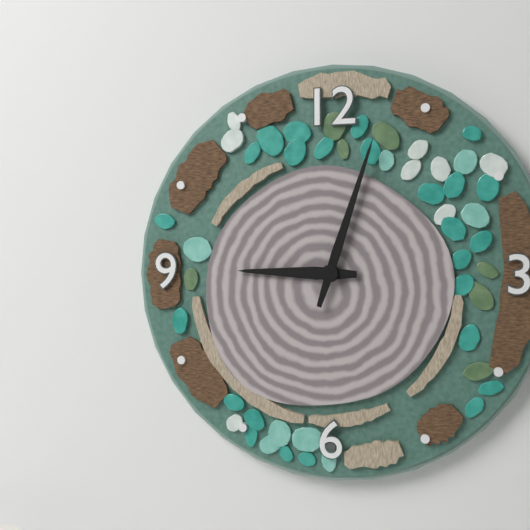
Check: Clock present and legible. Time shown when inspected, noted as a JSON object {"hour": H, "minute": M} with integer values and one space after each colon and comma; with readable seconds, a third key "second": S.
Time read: {"hour": 9, "minute": 3}
